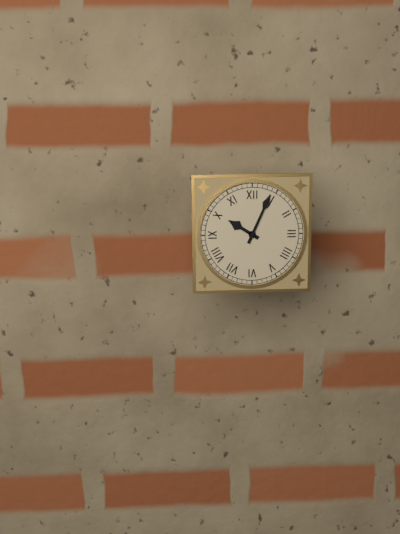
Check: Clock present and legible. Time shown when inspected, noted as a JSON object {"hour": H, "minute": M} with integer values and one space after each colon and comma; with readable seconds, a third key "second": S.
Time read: {"hour": 10, "minute": 4}
